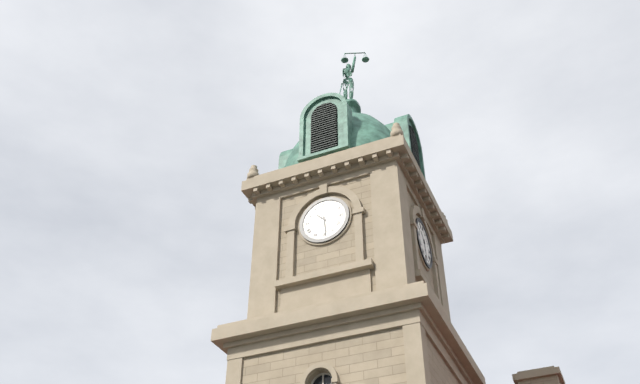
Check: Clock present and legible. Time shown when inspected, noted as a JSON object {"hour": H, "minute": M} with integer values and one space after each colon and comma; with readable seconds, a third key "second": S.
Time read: {"hour": 10, "minute": 29}
